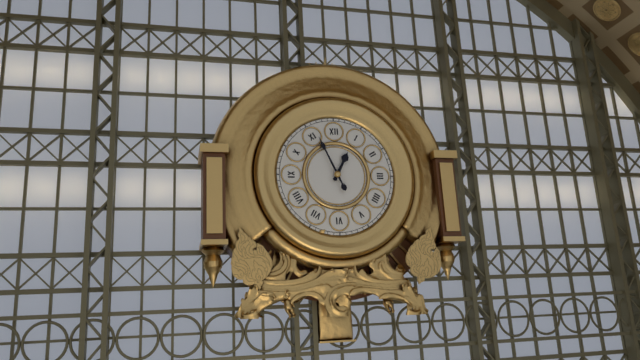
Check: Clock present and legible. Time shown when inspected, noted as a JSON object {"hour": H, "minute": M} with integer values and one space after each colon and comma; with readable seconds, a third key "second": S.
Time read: {"hour": 12, "minute": 56}
